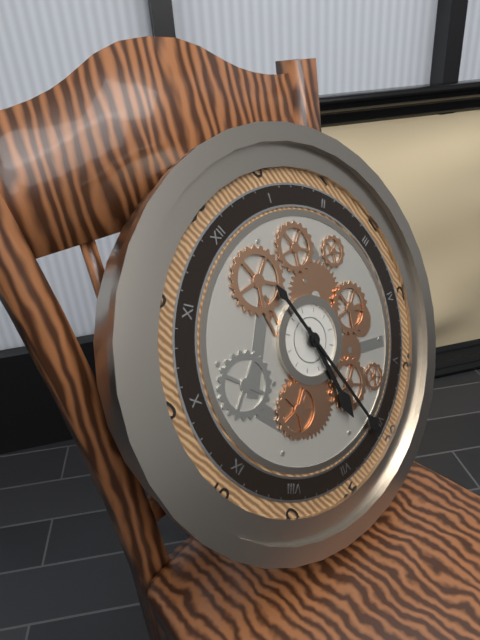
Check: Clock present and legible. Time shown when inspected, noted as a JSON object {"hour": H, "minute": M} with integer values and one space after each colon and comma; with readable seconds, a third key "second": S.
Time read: {"hour": 6, "minute": 31}
